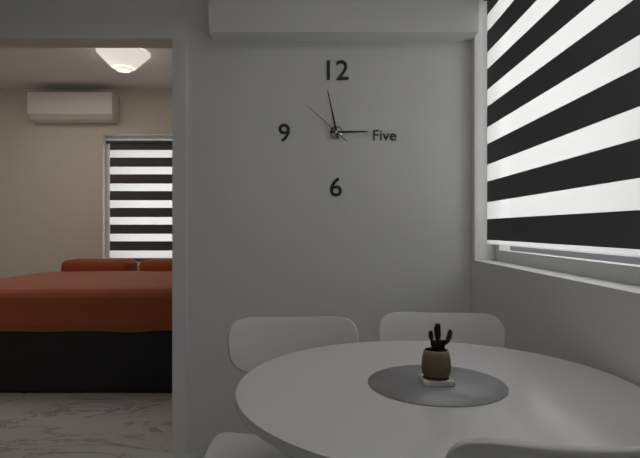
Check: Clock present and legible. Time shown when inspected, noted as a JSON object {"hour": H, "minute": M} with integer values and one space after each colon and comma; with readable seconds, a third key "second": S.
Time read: {"hour": 2, "minute": 58, "second": 52}
